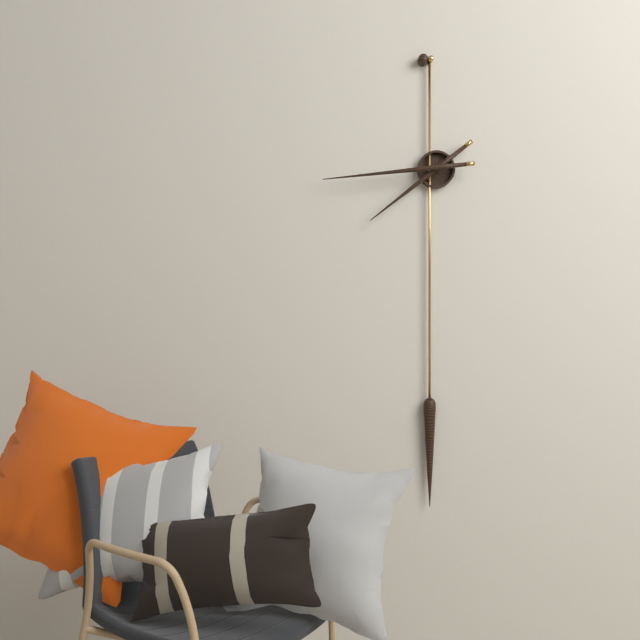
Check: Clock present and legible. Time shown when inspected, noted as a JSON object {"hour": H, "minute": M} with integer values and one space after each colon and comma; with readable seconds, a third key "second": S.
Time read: {"hour": 7, "minute": 44}
